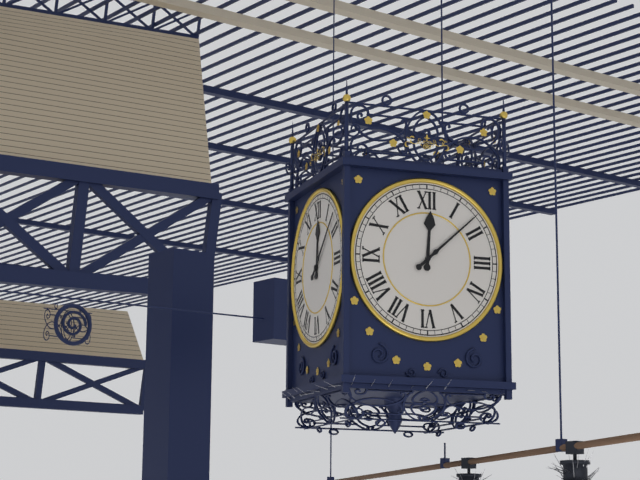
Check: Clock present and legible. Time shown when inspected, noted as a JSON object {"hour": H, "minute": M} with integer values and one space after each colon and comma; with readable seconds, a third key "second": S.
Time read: {"hour": 12, "minute": 8}
